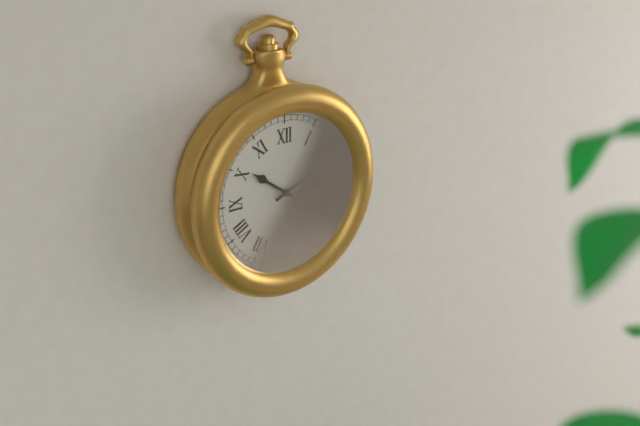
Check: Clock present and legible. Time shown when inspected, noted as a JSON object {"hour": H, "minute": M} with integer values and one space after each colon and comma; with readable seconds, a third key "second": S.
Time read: {"hour": 10, "minute": 11}
